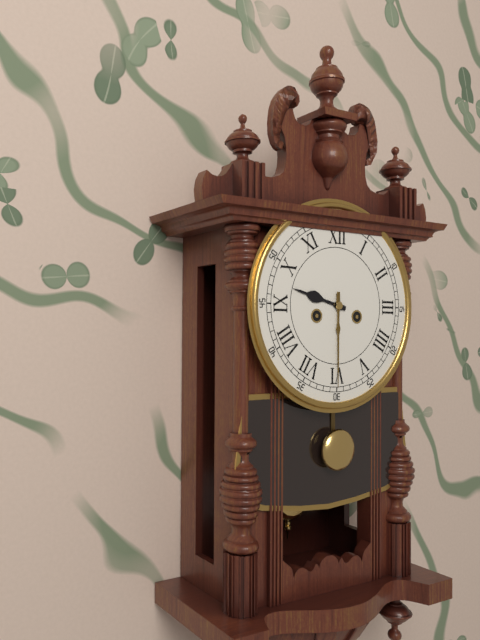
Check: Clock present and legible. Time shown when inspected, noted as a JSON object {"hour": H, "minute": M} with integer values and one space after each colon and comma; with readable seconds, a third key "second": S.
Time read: {"hour": 9, "minute": 30}
